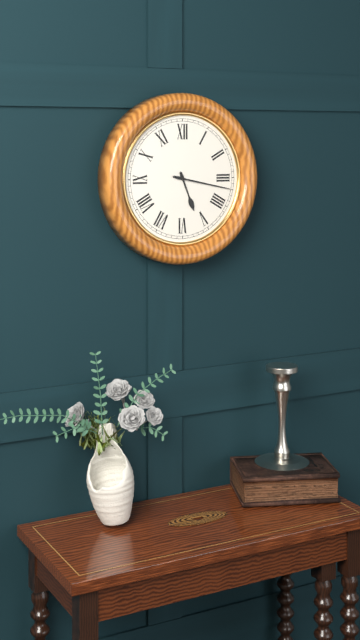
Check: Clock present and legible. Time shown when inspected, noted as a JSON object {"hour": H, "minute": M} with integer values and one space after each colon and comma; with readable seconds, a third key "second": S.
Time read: {"hour": 5, "minute": 17}
